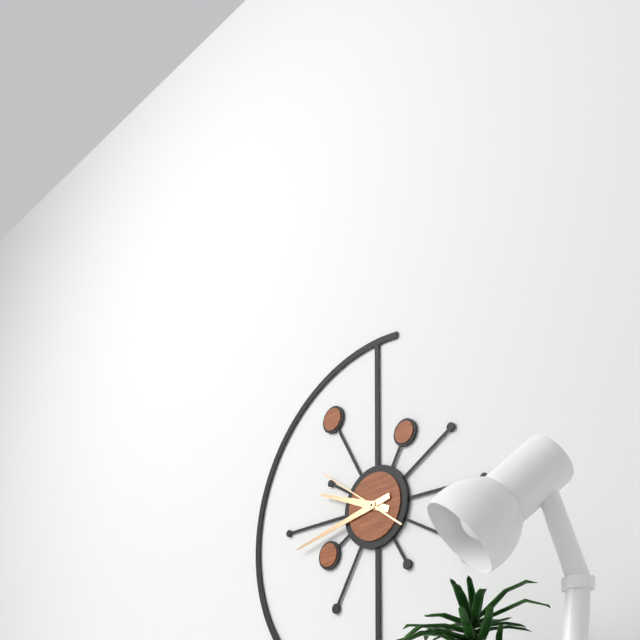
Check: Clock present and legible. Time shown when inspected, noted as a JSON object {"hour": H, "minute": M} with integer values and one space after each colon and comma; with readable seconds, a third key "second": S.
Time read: {"hour": 9, "minute": 43, "second": 51}
